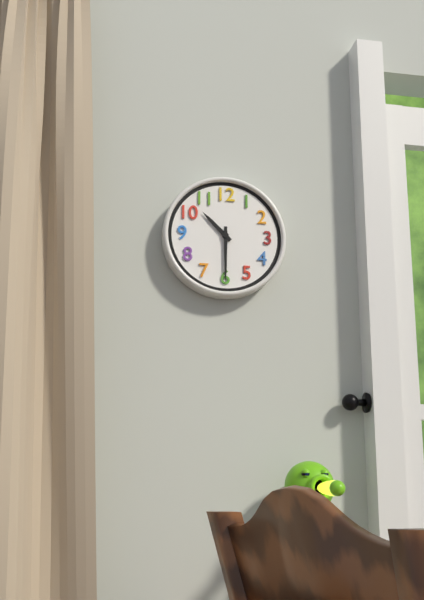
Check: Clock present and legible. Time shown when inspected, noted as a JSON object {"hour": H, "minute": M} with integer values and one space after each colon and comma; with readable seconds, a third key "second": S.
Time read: {"hour": 10, "minute": 30}
